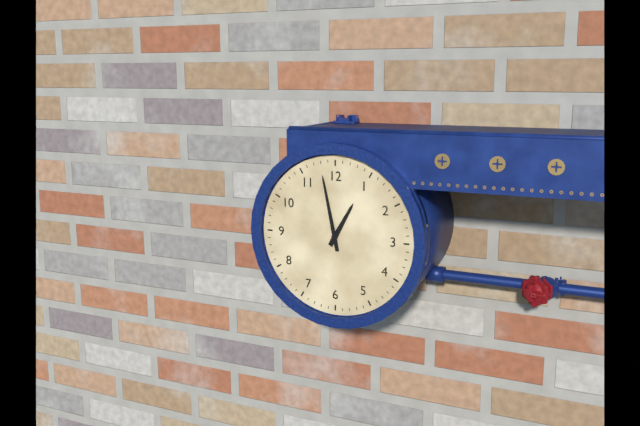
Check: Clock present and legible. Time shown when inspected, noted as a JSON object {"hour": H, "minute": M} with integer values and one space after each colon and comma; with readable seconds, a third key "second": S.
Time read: {"hour": 12, "minute": 58}
